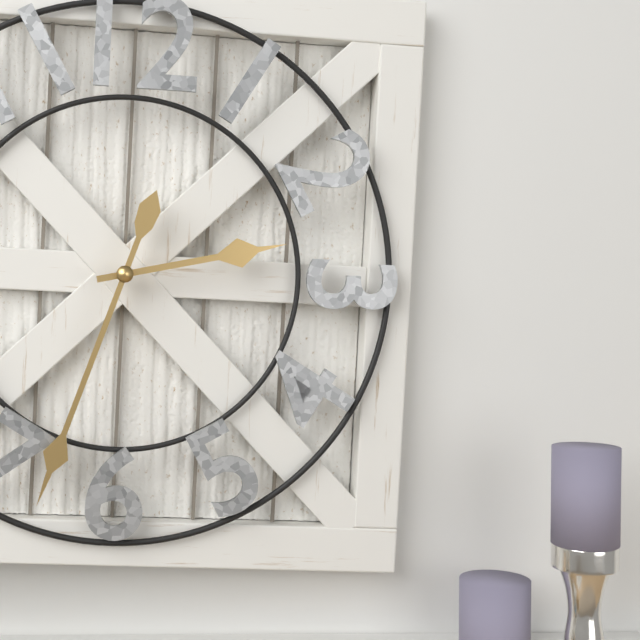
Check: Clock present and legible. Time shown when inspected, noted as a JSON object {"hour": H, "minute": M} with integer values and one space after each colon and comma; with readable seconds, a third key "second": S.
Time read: {"hour": 2, "minute": 33}
